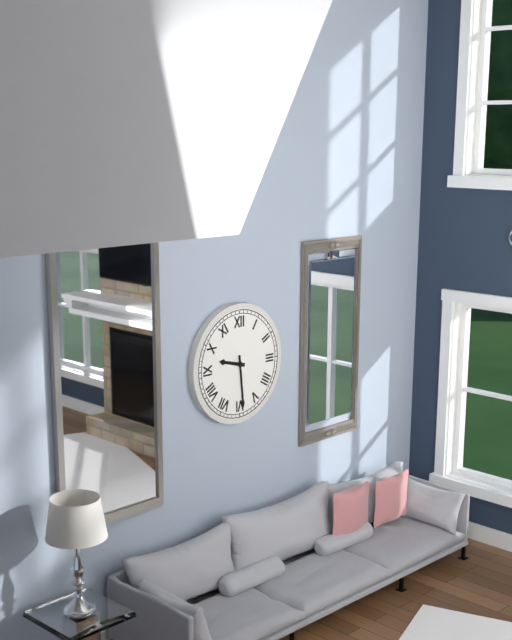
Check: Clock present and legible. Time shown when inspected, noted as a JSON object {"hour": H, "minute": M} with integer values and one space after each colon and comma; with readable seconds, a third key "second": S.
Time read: {"hour": 9, "minute": 29}
